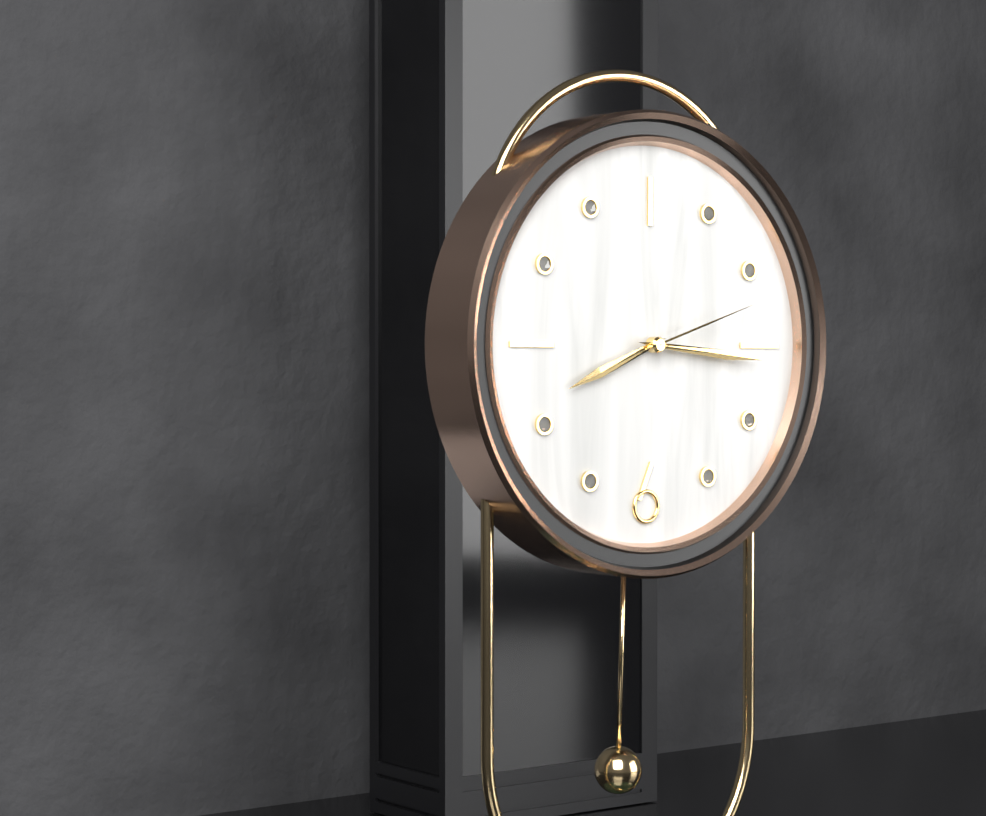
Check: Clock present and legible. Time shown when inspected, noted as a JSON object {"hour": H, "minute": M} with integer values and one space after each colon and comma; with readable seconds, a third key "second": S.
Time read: {"hour": 8, "minute": 16, "second": 12}
